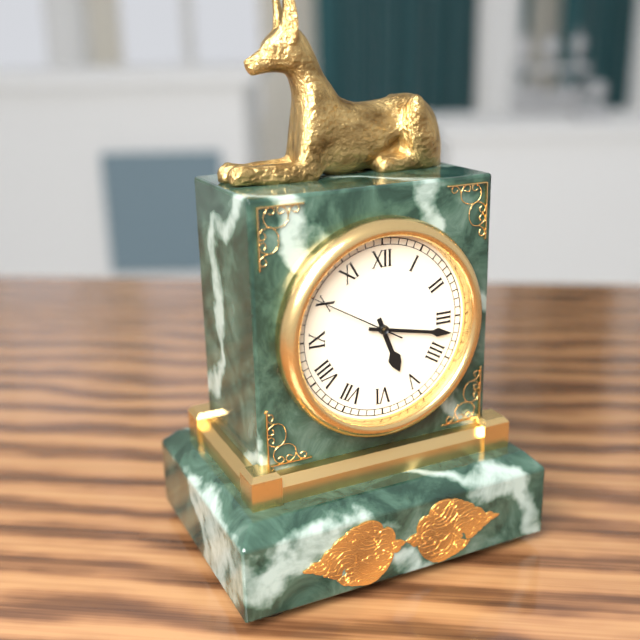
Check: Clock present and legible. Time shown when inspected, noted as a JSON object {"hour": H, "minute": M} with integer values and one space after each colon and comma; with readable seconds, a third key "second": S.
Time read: {"hour": 5, "minute": 17, "second": 50}
